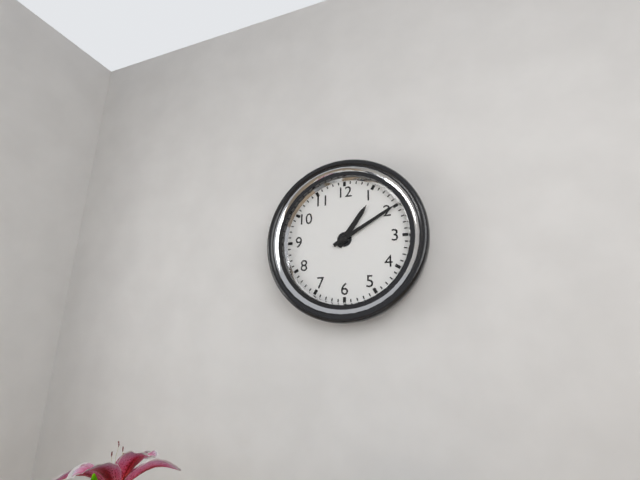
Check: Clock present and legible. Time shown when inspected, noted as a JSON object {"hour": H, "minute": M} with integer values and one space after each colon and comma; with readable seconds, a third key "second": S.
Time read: {"hour": 1, "minute": 10}
